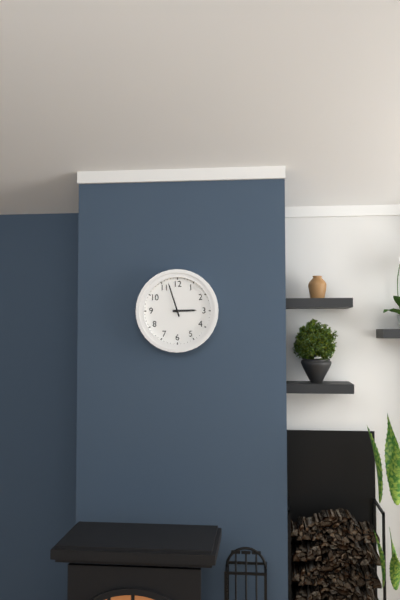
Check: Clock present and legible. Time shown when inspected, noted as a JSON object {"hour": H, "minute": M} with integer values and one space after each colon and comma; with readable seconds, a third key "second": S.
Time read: {"hour": 2, "minute": 57}
